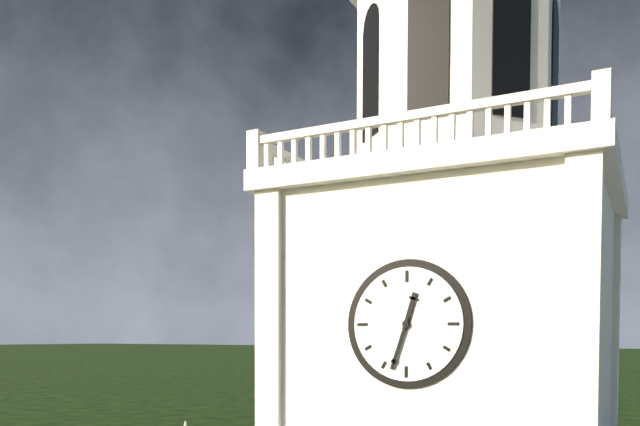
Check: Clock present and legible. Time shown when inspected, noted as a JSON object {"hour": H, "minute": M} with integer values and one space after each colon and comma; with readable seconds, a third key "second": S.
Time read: {"hour": 12, "minute": 33}
